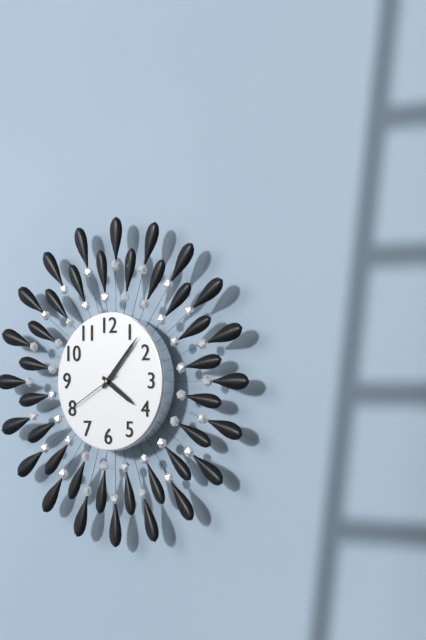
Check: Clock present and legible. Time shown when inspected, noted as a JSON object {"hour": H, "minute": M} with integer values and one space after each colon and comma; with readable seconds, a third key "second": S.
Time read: {"hour": 4, "minute": 7, "second": 40}
